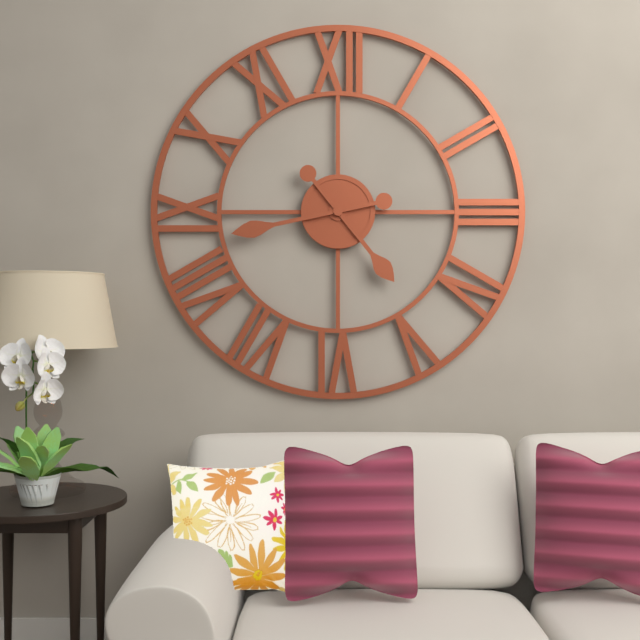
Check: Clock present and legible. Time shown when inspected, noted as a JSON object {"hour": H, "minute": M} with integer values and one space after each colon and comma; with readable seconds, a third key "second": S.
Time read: {"hour": 4, "minute": 43}
